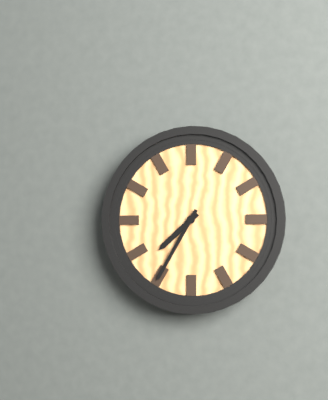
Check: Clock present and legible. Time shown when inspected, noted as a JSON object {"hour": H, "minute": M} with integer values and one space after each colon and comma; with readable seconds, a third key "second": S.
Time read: {"hour": 7, "minute": 35}
